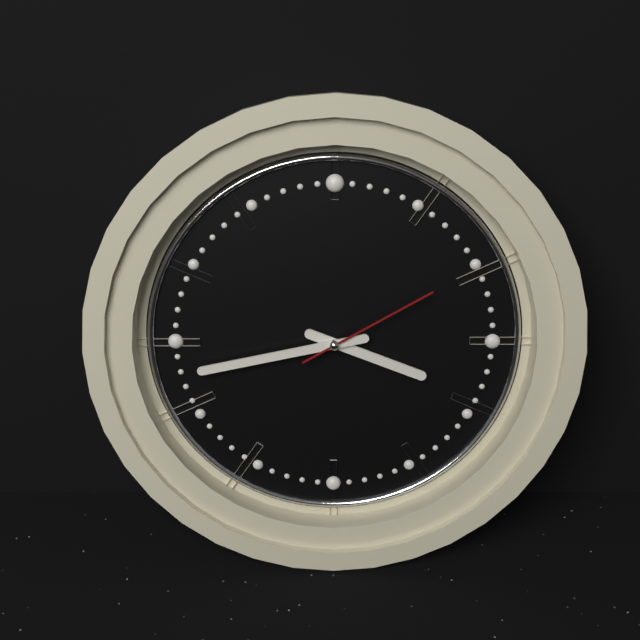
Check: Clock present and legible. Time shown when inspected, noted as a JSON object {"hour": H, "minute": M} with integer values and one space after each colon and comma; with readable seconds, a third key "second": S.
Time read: {"hour": 3, "minute": 43, "second": 10}
